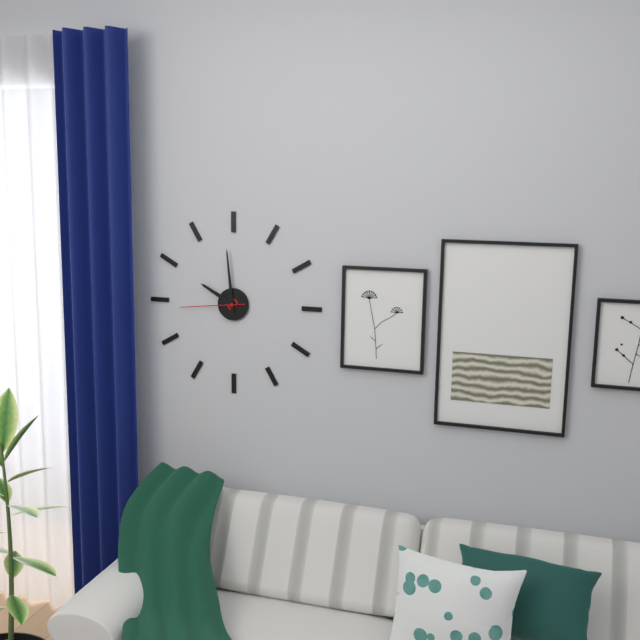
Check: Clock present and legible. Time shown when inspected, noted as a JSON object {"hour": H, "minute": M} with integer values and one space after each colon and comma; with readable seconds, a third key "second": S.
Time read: {"hour": 9, "minute": 59, "second": 44}
